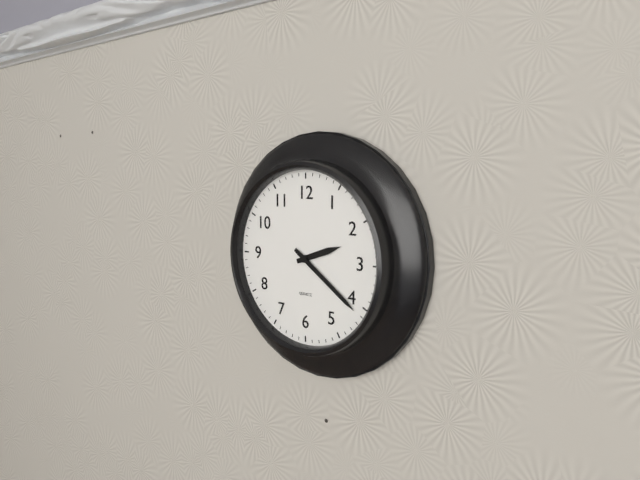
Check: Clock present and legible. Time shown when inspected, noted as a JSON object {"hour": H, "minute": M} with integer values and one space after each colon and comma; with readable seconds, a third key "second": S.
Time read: {"hour": 2, "minute": 21}
